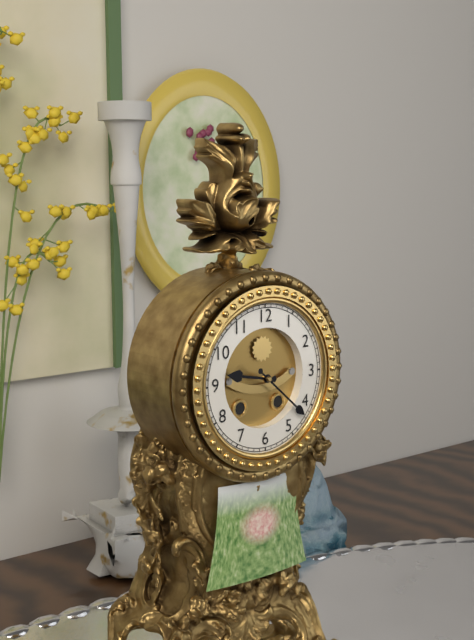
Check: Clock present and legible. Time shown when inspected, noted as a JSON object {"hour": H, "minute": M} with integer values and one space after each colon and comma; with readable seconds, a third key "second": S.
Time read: {"hour": 9, "minute": 22}
